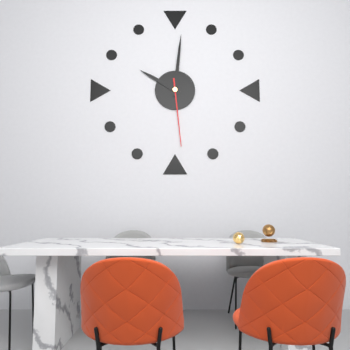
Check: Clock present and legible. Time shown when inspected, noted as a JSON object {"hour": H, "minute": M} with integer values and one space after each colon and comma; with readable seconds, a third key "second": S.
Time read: {"hour": 10, "minute": 1, "second": 29}
